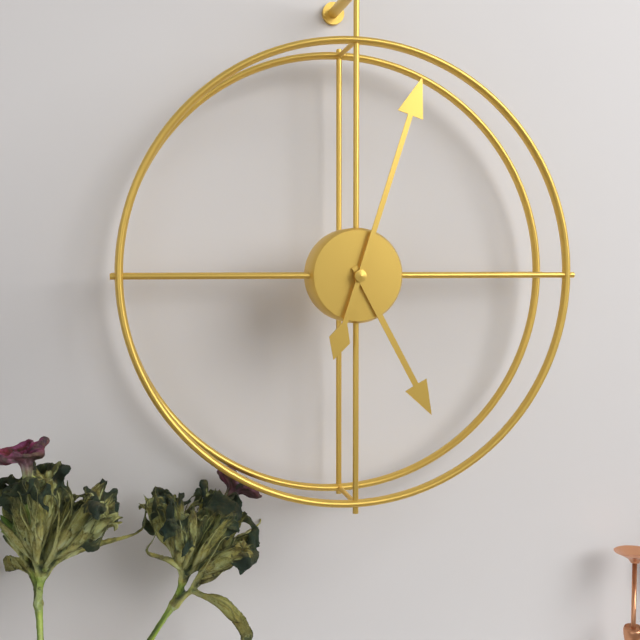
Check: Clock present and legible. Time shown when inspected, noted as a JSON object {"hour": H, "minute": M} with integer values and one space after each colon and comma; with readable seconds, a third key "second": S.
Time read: {"hour": 5, "minute": 3}
